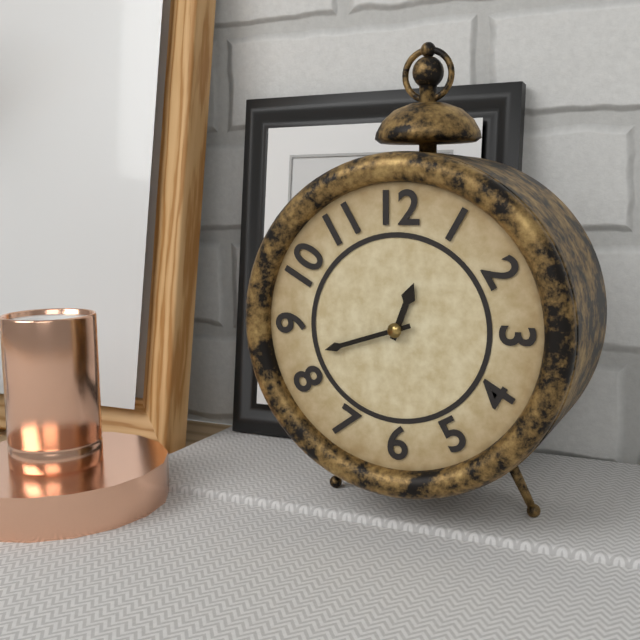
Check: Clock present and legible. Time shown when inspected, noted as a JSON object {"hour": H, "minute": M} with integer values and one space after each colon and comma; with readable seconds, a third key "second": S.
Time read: {"hour": 12, "minute": 42}
